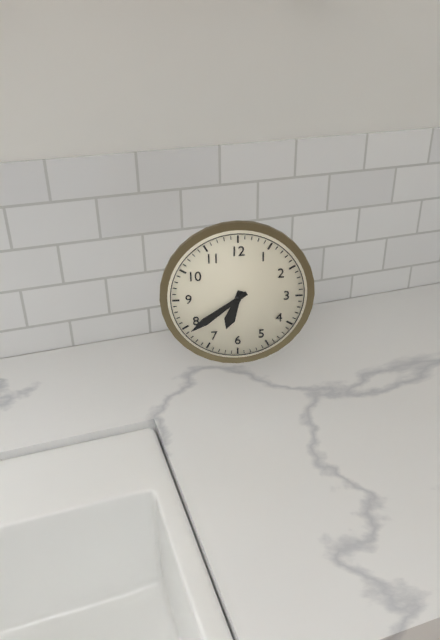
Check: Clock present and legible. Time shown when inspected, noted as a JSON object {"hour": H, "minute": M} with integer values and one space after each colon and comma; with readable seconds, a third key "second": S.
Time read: {"hour": 6, "minute": 39}
